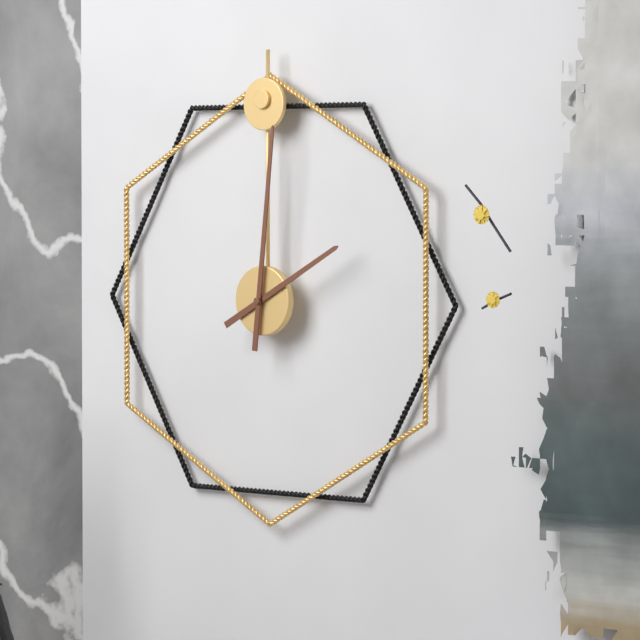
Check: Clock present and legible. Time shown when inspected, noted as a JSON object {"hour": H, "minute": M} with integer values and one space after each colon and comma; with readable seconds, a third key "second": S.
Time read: {"hour": 2, "minute": 1}
